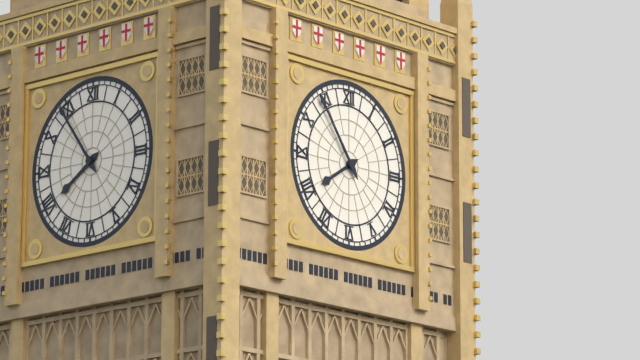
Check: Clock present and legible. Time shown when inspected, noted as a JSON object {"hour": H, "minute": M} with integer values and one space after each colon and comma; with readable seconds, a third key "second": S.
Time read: {"hour": 7, "minute": 54}
